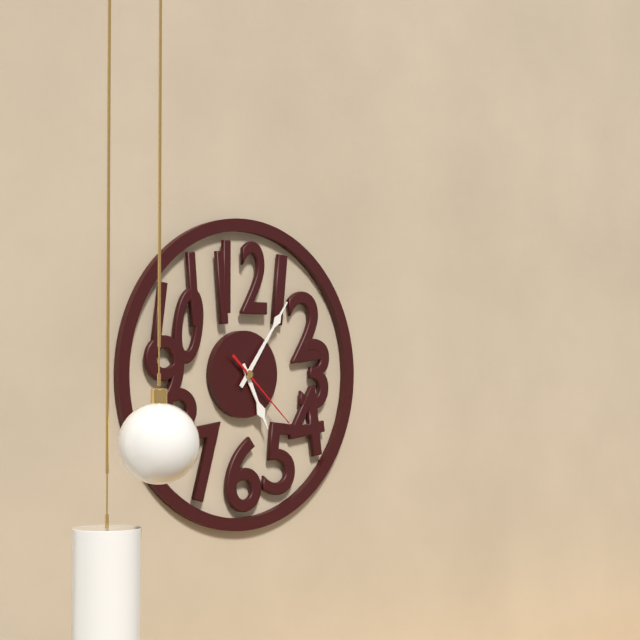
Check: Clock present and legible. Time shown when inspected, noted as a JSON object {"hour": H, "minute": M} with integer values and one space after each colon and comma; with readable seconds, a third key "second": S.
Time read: {"hour": 5, "minute": 6, "second": 22}
